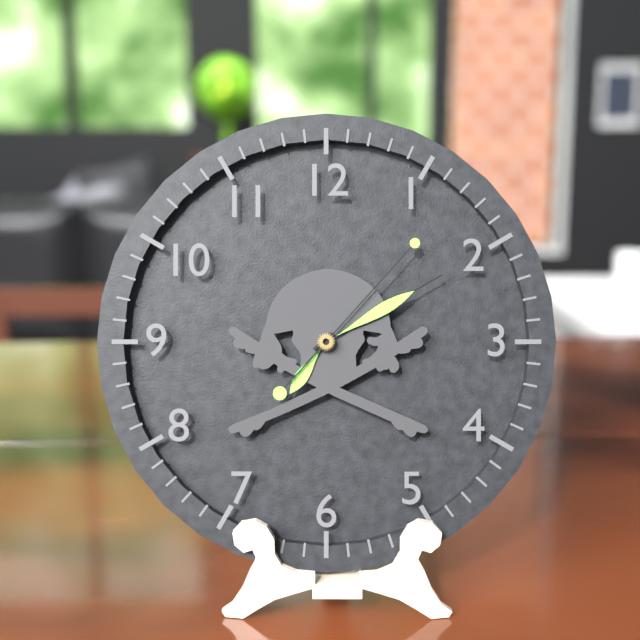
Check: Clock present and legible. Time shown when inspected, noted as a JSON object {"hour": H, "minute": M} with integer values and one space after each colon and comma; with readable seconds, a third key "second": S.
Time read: {"hour": 7, "minute": 10, "second": 7}
